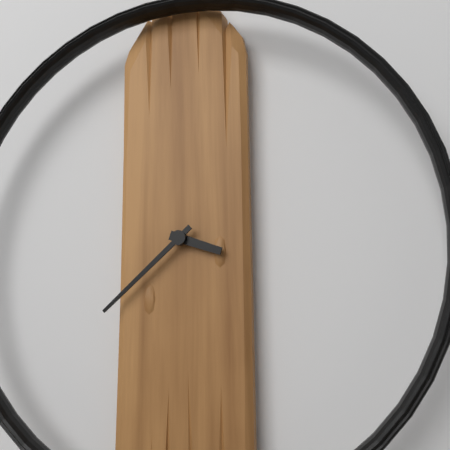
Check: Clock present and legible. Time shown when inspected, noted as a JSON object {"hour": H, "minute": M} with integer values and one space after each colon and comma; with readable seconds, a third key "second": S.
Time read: {"hour": 3, "minute": 38}
